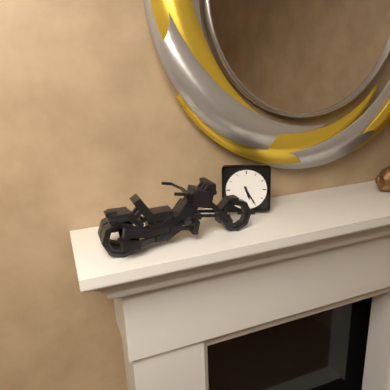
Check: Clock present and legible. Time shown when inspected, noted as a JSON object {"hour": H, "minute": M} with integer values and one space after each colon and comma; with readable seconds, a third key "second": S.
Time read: {"hour": 5, "minute": 25}
